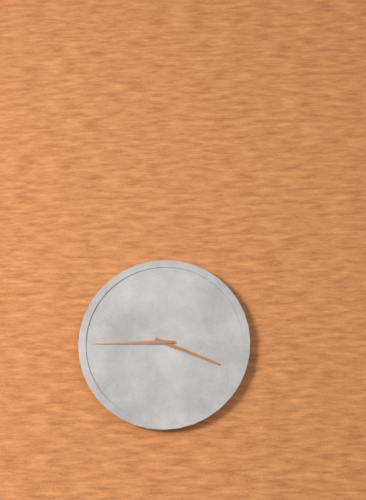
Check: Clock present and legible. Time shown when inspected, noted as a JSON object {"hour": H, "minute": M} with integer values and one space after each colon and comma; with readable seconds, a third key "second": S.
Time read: {"hour": 3, "minute": 45}
